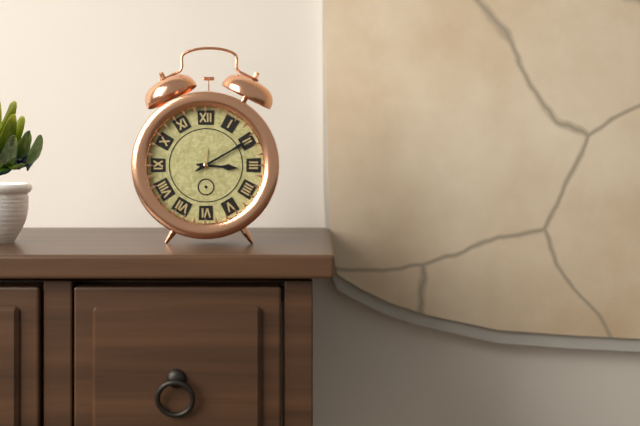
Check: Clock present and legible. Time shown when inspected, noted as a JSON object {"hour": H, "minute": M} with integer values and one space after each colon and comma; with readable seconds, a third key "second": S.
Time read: {"hour": 3, "minute": 10}
